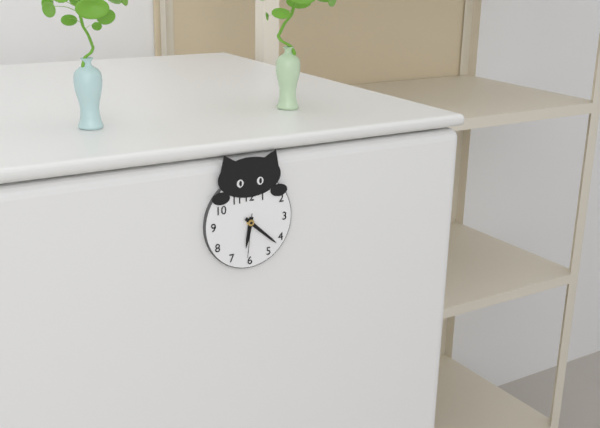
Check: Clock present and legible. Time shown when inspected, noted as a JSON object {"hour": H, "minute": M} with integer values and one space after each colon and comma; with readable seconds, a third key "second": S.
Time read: {"hour": 6, "minute": 22}
